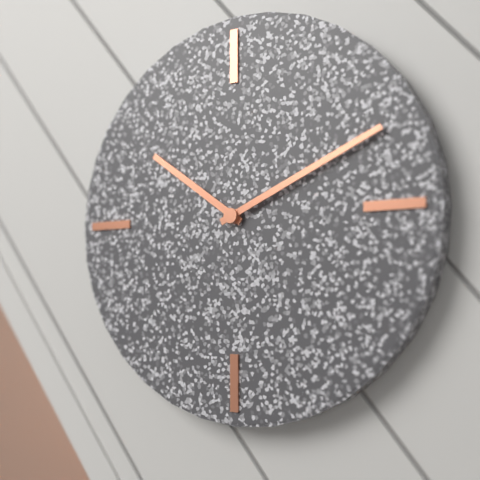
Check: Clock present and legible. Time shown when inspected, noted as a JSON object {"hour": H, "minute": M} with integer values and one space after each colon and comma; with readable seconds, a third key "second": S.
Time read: {"hour": 10, "minute": 11}
